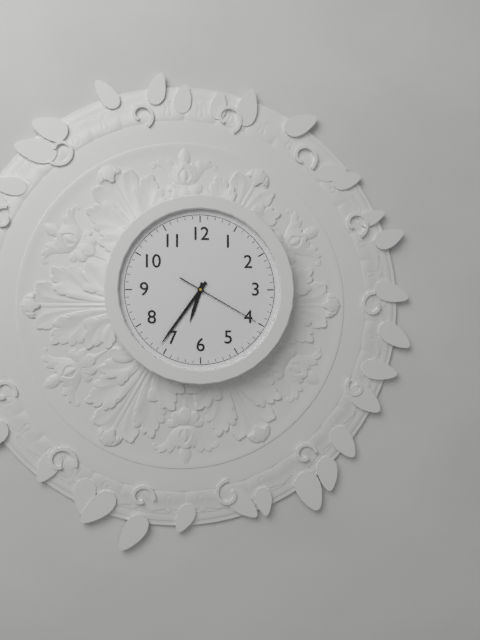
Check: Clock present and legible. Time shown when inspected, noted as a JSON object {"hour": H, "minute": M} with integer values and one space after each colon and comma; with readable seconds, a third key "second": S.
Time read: {"hour": 6, "minute": 36, "second": 20}
